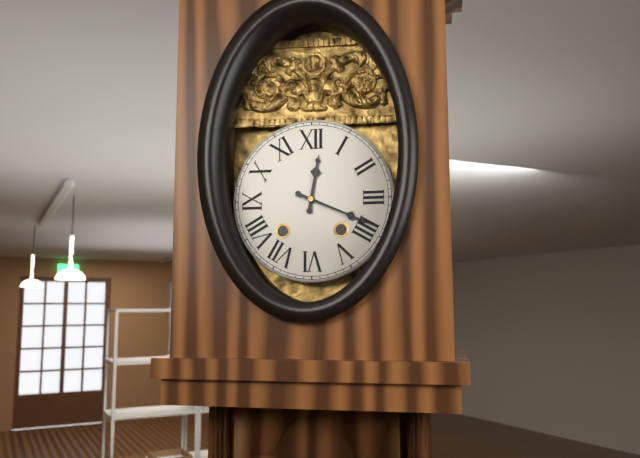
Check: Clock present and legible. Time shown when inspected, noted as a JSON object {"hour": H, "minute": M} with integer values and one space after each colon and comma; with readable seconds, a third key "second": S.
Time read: {"hour": 12, "minute": 19}
